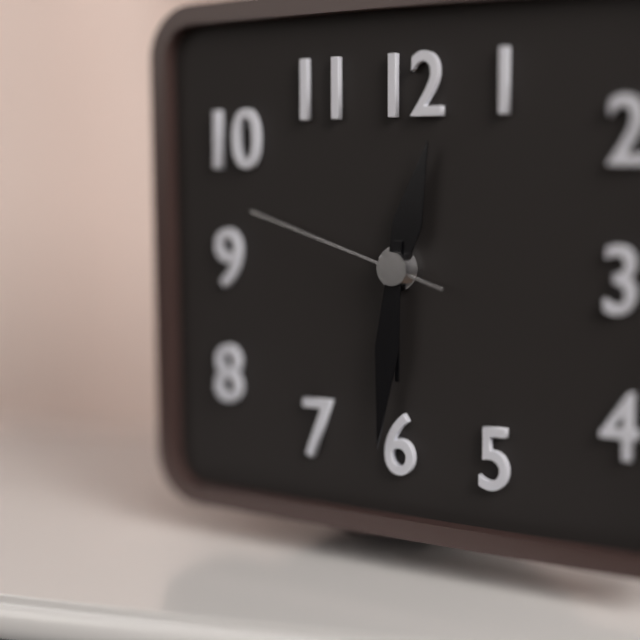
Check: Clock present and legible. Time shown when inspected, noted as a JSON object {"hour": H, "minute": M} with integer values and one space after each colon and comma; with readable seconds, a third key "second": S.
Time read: {"hour": 12, "minute": 31, "second": 48}
